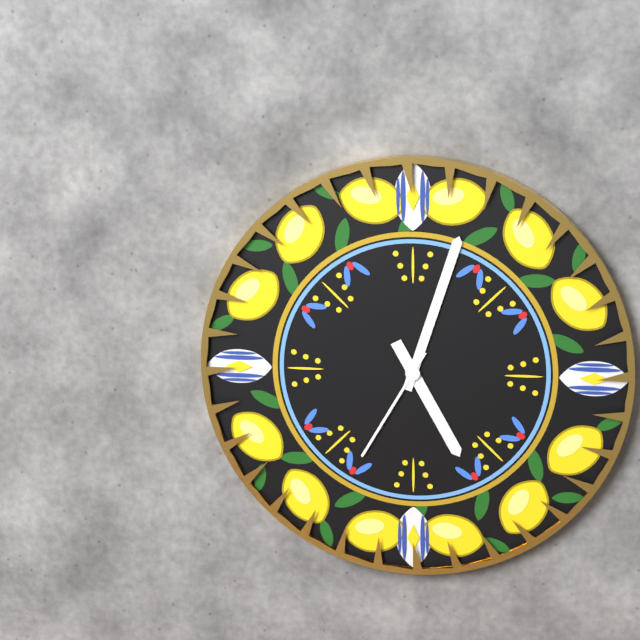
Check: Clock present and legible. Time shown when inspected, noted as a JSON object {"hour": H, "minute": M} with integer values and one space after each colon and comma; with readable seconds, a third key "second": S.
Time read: {"hour": 5, "minute": 3, "second": 35}
